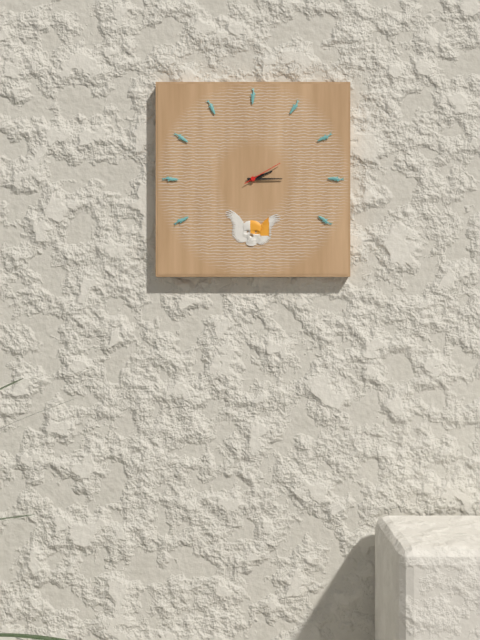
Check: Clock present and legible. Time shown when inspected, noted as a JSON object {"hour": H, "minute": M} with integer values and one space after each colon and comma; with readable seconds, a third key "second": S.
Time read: {"hour": 2, "minute": 15}
